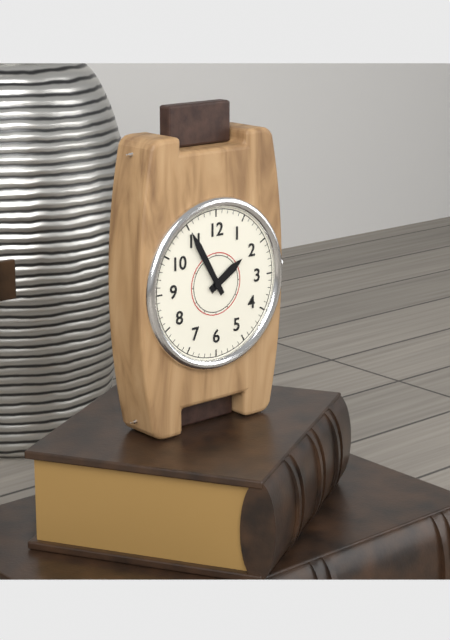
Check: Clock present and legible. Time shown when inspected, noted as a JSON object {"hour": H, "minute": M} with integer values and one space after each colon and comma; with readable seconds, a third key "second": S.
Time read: {"hour": 1, "minute": 55}
